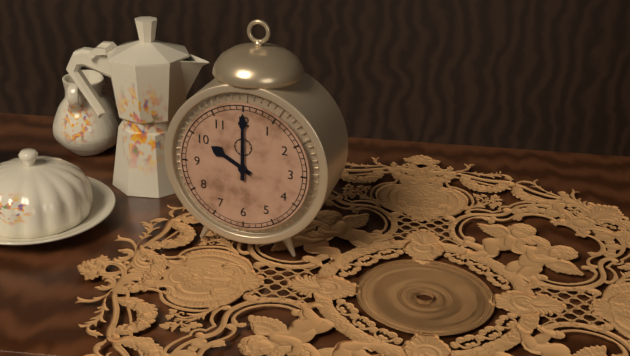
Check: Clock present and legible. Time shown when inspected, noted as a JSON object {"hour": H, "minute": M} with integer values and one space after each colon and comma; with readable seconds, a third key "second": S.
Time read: {"hour": 10, "minute": 0}
